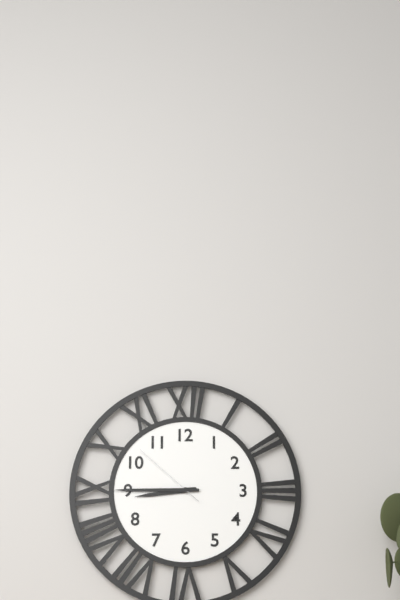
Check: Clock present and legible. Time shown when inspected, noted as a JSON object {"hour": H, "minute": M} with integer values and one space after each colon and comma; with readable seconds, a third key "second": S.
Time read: {"hour": 8, "minute": 45, "second": 52}
